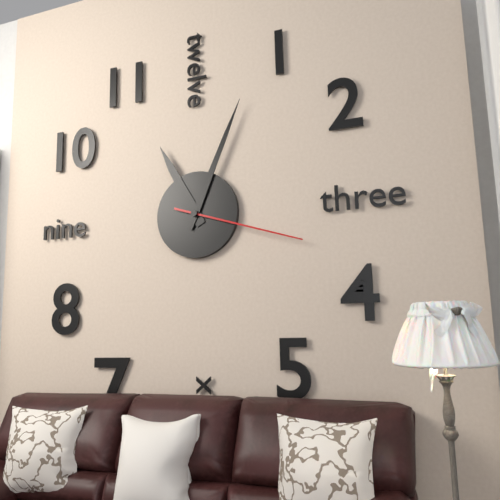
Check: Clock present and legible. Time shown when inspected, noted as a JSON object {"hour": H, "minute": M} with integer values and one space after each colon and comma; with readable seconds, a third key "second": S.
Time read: {"hour": 11, "minute": 4, "second": 18}
